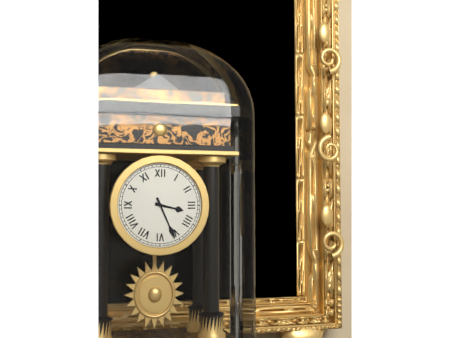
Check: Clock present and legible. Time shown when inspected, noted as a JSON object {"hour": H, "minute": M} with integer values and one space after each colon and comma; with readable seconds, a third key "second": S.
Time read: {"hour": 3, "minute": 26}
